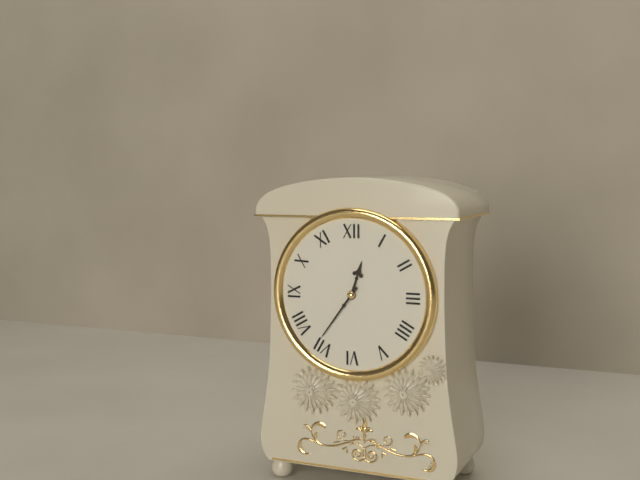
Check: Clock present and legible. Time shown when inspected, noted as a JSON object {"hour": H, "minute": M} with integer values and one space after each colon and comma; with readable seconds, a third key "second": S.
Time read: {"hour": 12, "minute": 36}
